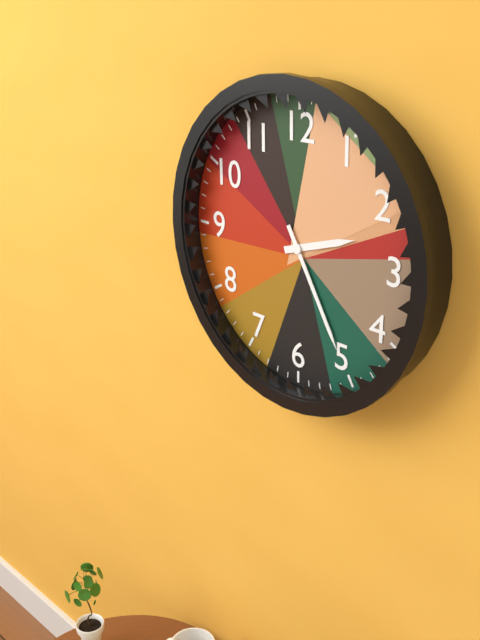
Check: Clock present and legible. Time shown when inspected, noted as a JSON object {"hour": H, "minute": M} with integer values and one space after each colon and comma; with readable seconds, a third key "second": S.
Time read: {"hour": 2, "minute": 25}
